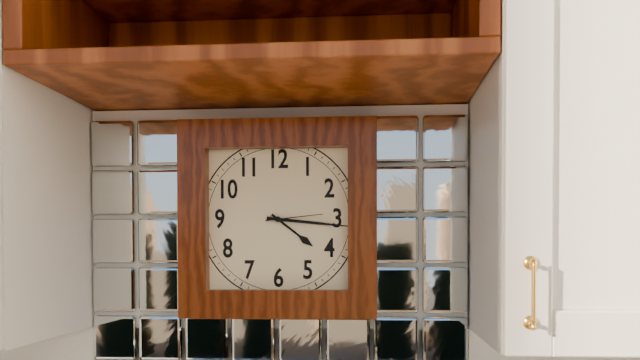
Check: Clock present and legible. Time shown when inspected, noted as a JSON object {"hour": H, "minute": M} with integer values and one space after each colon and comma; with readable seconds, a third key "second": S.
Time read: {"hour": 4, "minute": 16, "second": 14}
